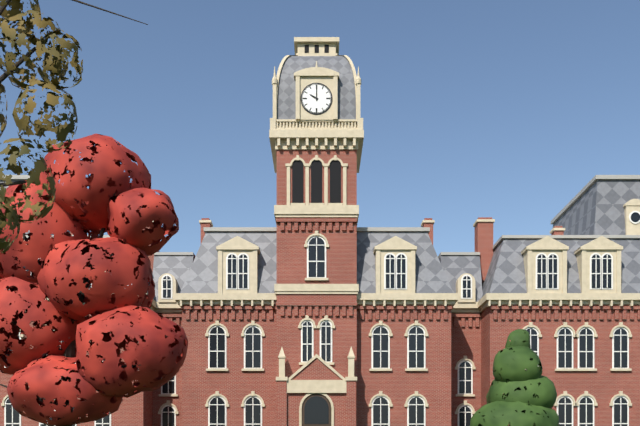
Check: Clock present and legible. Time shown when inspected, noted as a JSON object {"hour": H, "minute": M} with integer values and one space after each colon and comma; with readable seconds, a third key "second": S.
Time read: {"hour": 10, "minute": 0}
